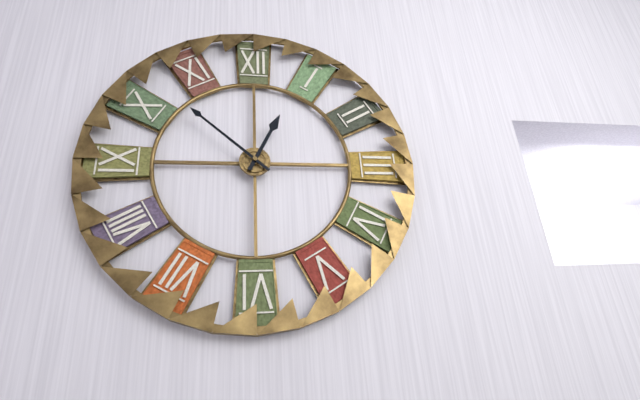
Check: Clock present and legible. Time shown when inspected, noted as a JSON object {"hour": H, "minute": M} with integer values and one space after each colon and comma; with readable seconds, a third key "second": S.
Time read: {"hour": 12, "minute": 52}
